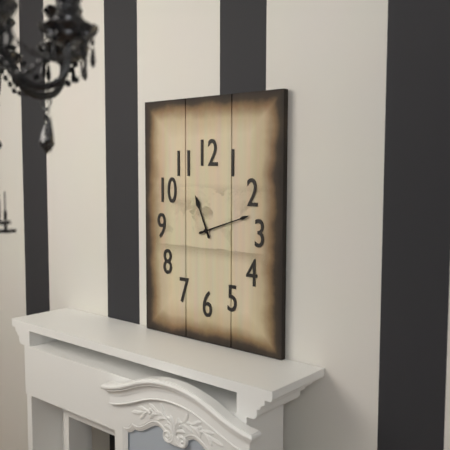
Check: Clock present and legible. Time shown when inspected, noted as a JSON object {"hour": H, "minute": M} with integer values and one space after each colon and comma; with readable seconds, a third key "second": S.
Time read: {"hour": 11, "minute": 12}
